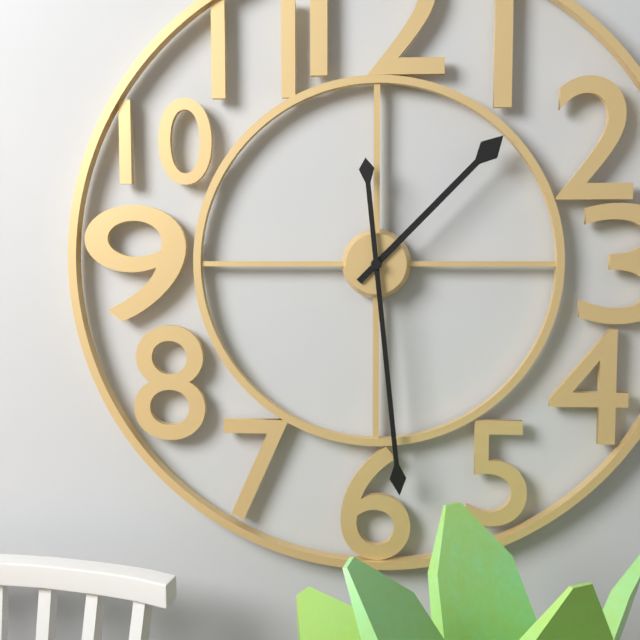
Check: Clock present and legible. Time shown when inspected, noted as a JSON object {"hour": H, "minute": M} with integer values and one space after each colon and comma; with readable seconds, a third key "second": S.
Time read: {"hour": 1, "minute": 29}
